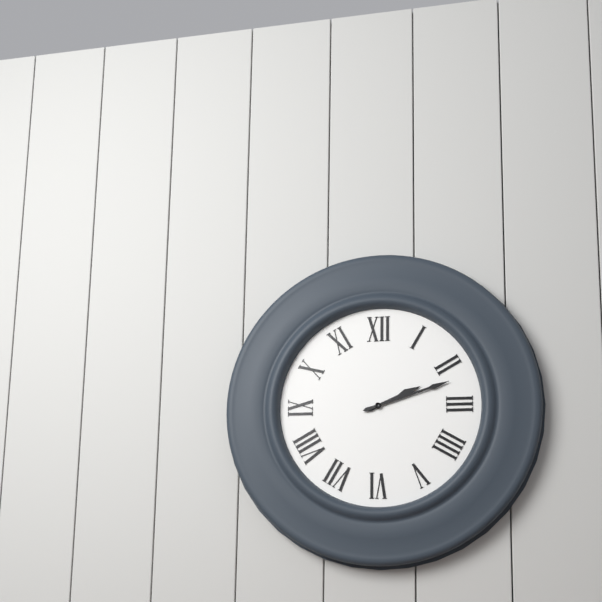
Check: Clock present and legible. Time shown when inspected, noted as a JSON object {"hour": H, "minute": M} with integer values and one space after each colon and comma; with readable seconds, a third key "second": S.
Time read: {"hour": 2, "minute": 12}
